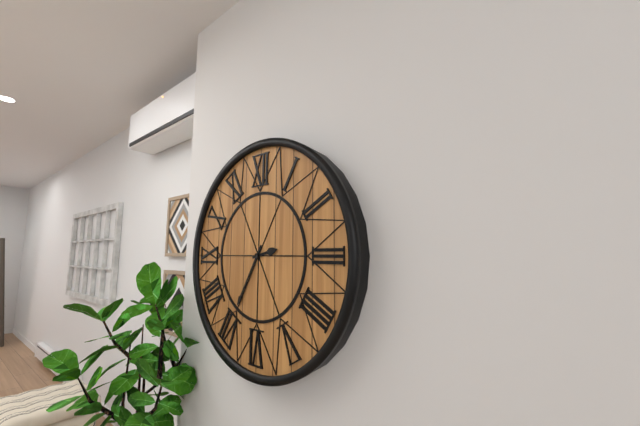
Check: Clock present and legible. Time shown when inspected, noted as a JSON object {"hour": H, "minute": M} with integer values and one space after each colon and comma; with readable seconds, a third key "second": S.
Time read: {"hour": 2, "minute": 35}
